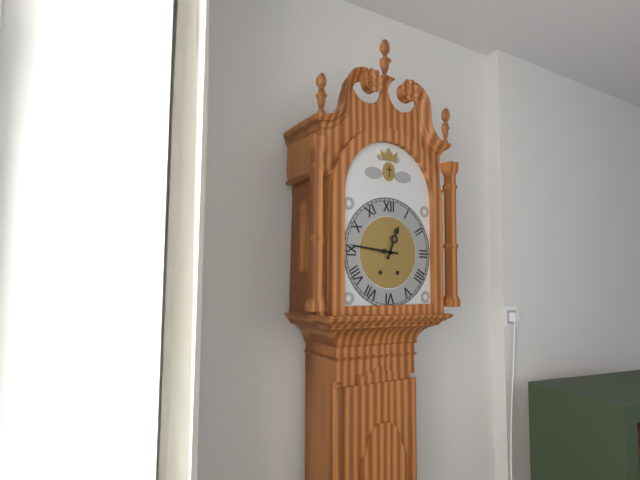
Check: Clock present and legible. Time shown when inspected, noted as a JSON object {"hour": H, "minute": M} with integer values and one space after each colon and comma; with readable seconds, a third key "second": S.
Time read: {"hour": 12, "minute": 46}
